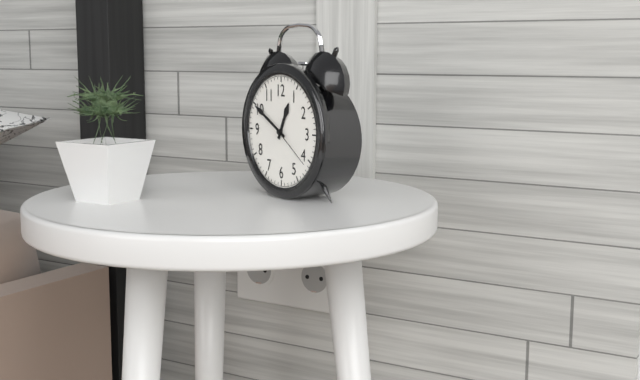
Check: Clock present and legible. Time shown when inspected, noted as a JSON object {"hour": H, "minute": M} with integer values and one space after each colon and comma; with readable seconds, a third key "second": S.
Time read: {"hour": 12, "minute": 50, "second": 21}
